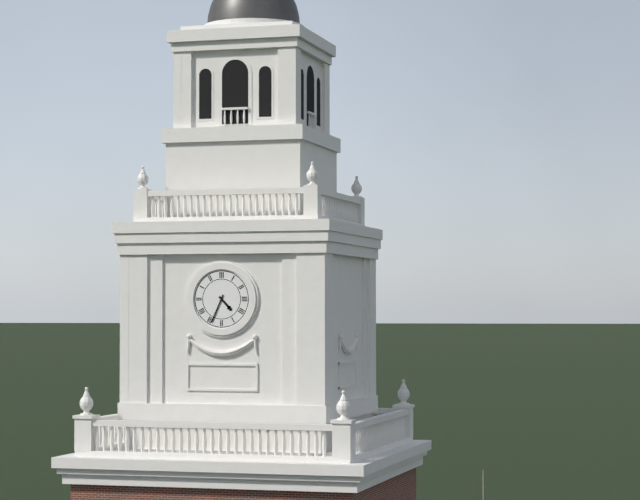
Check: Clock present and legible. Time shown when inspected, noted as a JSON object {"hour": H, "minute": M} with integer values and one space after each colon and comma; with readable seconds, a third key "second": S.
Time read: {"hour": 4, "minute": 34}
